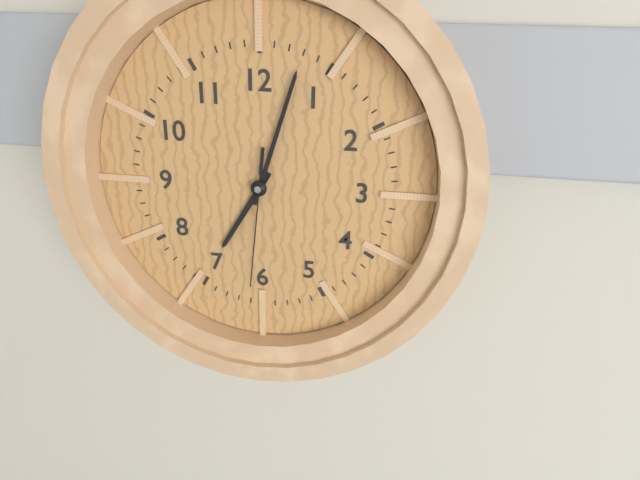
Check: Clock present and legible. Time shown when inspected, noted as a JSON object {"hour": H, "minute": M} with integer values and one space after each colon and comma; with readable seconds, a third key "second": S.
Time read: {"hour": 7, "minute": 3, "second": 31}
